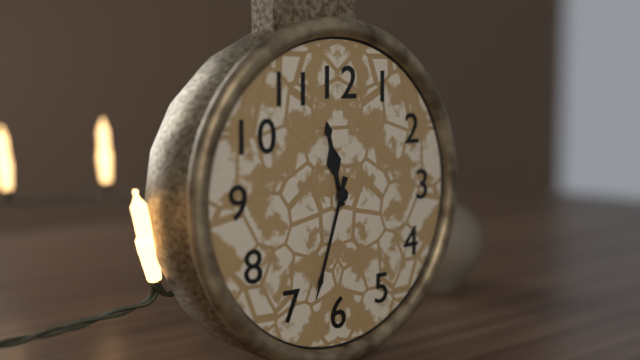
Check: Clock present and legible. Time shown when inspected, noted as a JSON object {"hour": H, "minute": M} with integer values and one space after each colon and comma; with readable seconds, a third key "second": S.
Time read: {"hour": 11, "minute": 33}
